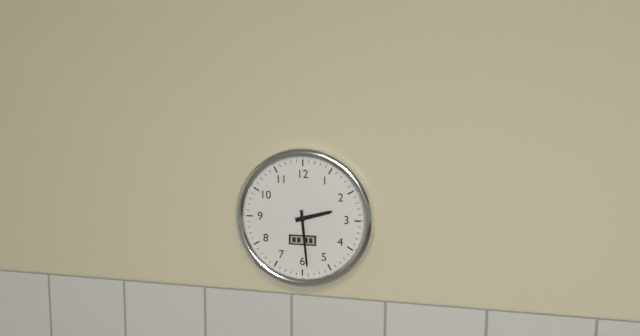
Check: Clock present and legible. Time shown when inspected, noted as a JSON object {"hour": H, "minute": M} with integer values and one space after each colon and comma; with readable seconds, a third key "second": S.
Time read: {"hour": 2, "minute": 29}
